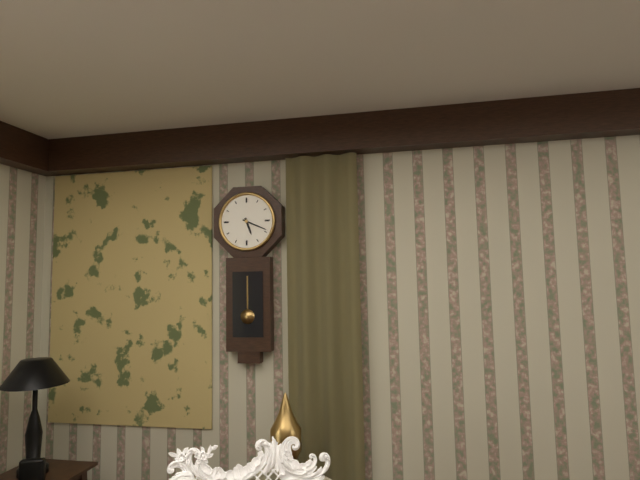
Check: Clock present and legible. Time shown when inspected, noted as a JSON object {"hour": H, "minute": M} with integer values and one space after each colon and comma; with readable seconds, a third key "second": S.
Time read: {"hour": 5, "minute": 19}
